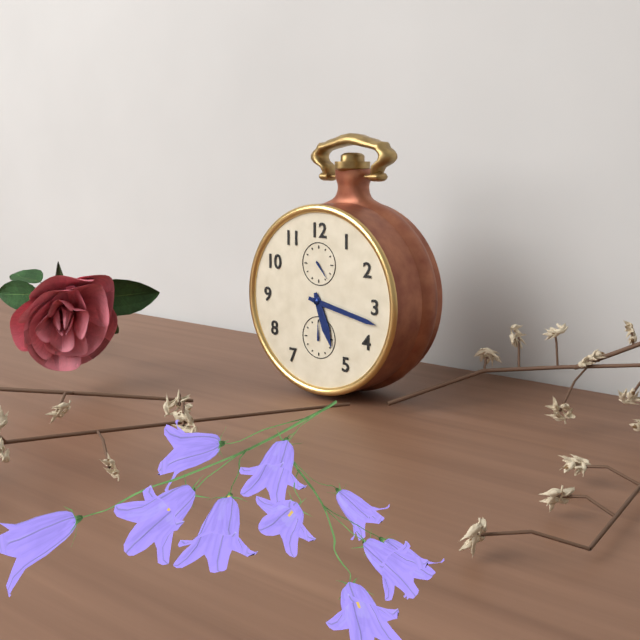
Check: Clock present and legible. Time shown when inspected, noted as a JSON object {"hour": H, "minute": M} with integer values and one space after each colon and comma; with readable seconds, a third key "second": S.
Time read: {"hour": 5, "minute": 17}
